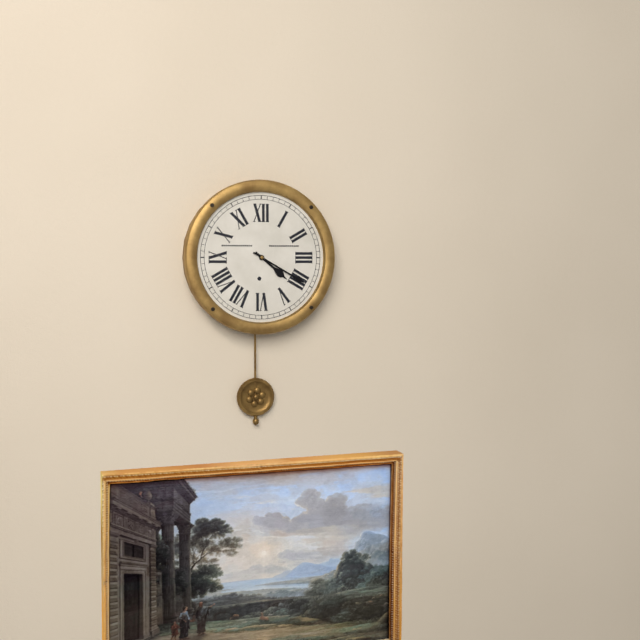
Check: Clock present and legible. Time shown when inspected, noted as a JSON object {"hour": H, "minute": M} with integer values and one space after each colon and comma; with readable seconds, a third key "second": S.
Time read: {"hour": 4, "minute": 20}
